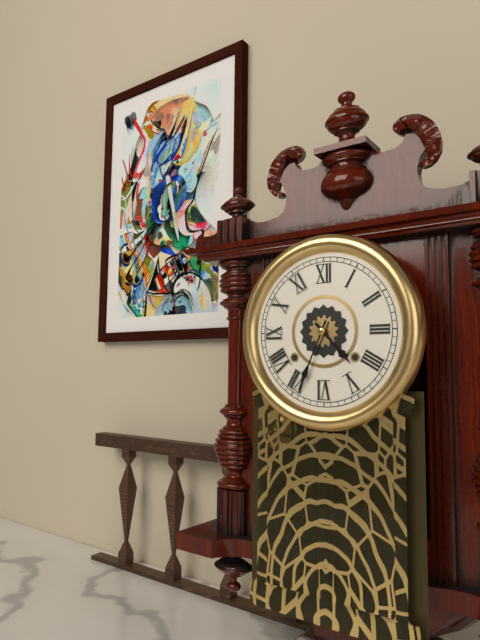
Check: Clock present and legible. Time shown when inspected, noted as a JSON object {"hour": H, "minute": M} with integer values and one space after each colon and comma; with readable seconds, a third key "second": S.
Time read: {"hour": 4, "minute": 34}
